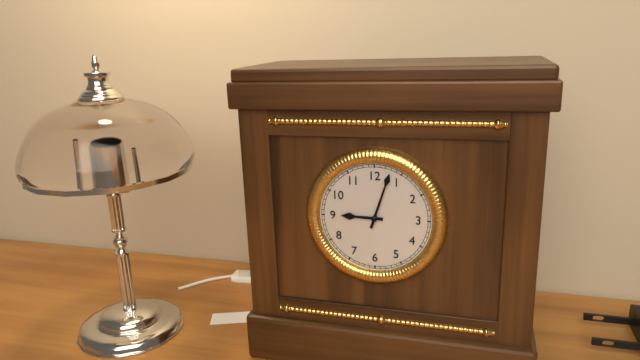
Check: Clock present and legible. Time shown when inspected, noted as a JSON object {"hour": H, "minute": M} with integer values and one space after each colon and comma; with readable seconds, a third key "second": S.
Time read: {"hour": 9, "minute": 3}
